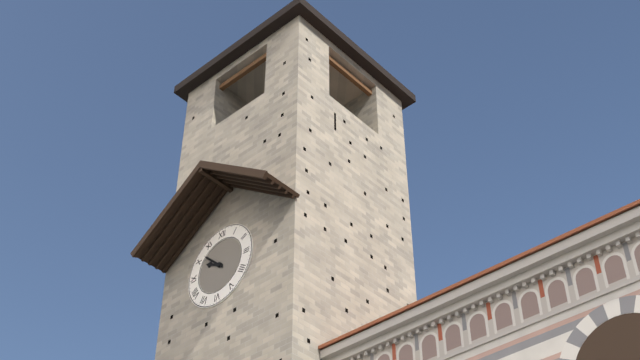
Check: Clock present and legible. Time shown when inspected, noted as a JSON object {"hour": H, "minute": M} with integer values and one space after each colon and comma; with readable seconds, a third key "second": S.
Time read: {"hour": 9, "minute": 52}
